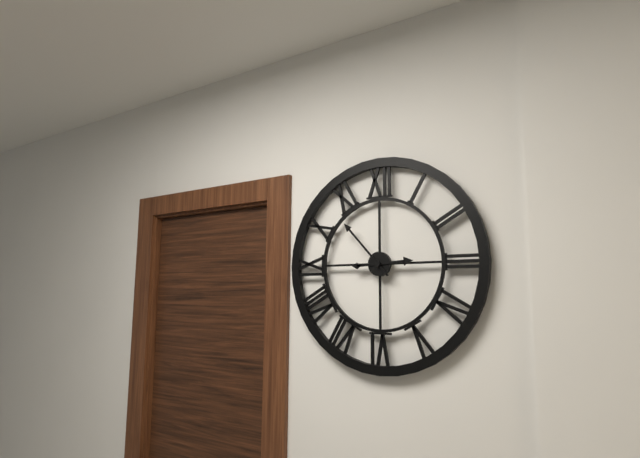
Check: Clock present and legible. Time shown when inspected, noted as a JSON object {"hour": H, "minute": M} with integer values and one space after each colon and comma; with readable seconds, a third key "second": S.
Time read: {"hour": 2, "minute": 53}
